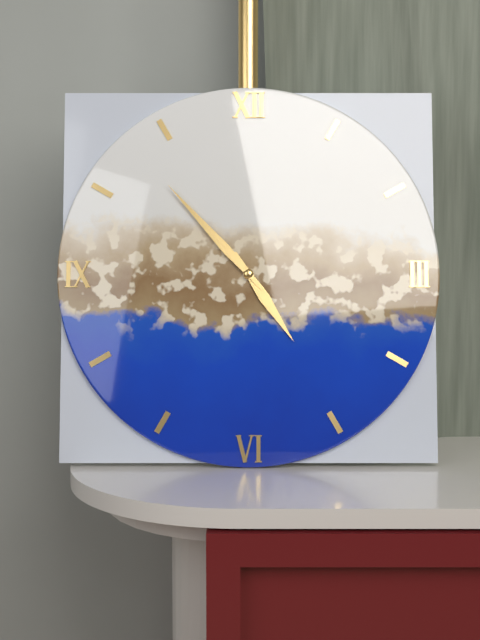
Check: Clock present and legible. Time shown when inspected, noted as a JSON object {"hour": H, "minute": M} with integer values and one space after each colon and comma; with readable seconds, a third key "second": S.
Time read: {"hour": 4, "minute": 53}
